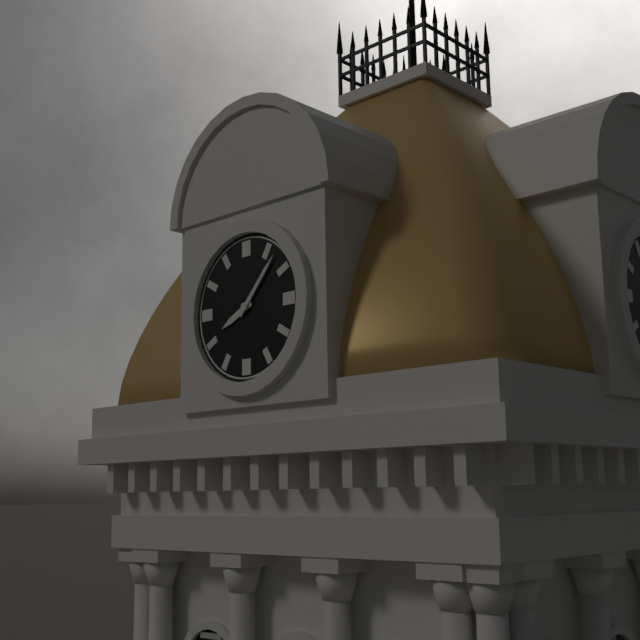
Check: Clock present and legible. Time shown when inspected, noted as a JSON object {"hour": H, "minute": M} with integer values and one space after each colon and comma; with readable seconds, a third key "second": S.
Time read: {"hour": 8, "minute": 7}
